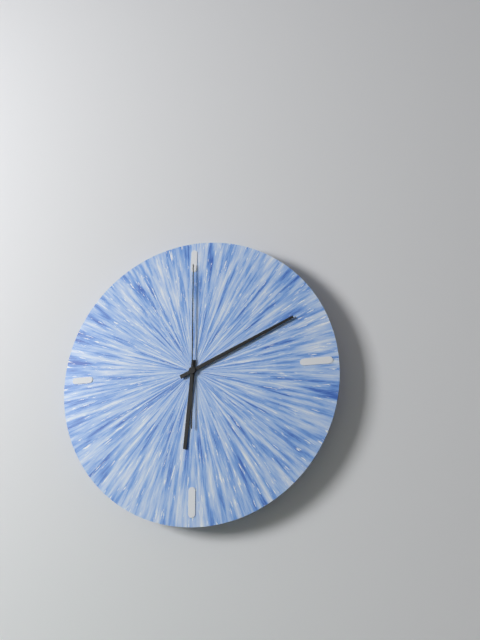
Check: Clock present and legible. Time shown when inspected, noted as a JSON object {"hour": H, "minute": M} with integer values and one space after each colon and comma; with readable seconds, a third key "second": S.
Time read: {"hour": 6, "minute": 11, "second": 0}
